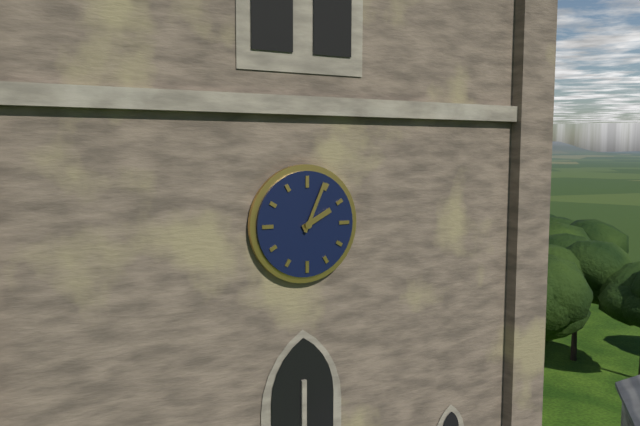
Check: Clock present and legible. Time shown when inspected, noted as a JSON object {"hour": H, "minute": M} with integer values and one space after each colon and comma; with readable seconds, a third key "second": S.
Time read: {"hour": 2, "minute": 4}
